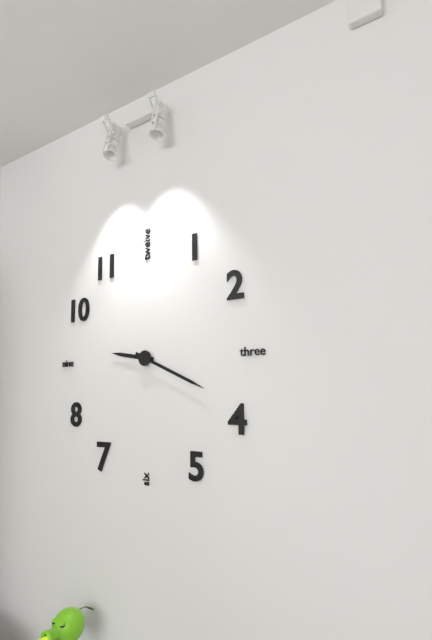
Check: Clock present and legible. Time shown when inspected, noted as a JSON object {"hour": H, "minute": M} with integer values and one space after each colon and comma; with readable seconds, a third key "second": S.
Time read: {"hour": 9, "minute": 19}
